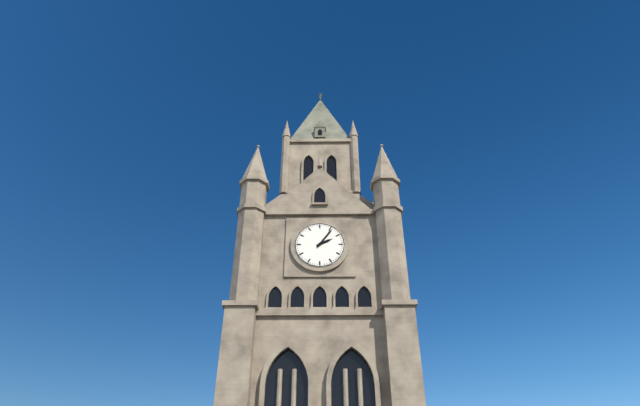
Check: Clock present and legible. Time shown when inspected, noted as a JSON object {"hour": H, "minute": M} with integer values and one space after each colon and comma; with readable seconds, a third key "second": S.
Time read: {"hour": 2, "minute": 6}
